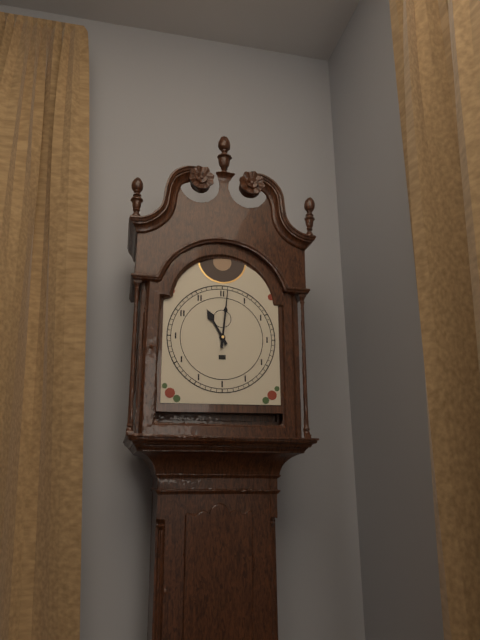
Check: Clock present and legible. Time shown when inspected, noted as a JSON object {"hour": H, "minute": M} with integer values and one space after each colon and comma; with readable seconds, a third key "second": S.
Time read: {"hour": 11, "minute": 1}
